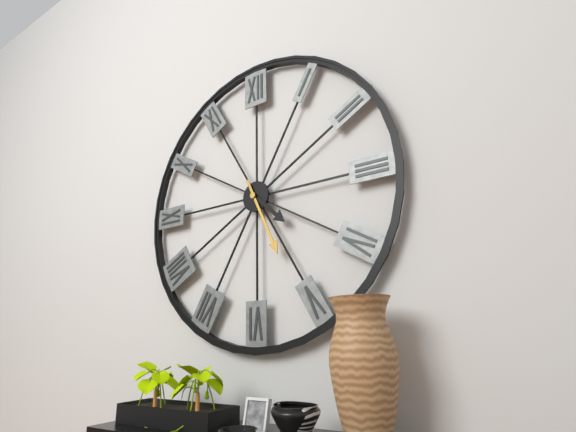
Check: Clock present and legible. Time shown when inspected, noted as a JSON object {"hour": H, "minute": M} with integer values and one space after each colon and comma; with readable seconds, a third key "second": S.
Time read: {"hour": 4, "minute": 26}
